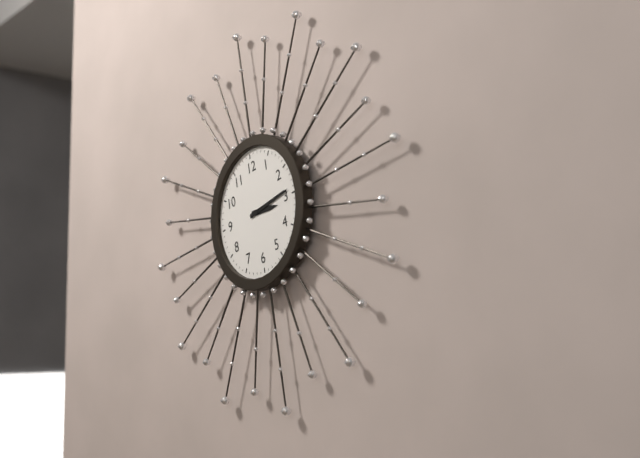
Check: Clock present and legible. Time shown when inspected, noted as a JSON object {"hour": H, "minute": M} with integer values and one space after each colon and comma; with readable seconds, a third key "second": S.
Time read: {"hour": 3, "minute": 14}
